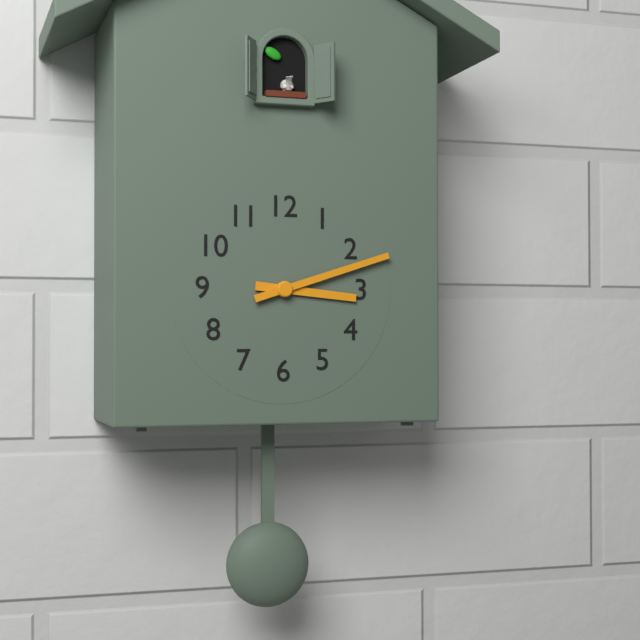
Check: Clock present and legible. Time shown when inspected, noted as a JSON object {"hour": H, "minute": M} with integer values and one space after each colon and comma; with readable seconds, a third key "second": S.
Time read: {"hour": 3, "minute": 12}
